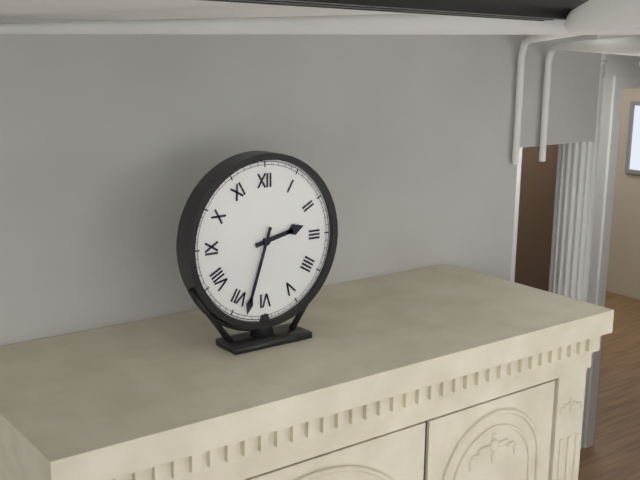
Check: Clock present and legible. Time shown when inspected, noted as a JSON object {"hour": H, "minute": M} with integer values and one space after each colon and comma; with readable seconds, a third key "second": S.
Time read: {"hour": 2, "minute": 33}
